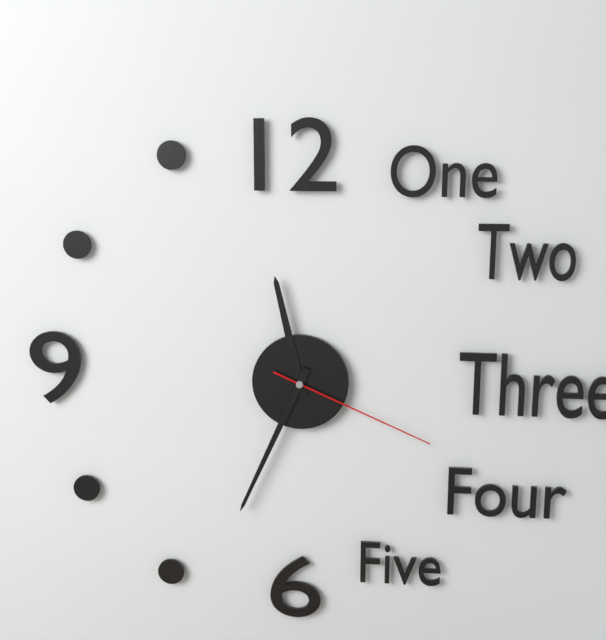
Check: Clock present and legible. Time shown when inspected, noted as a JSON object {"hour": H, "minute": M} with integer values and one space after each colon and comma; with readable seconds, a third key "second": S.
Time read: {"hour": 11, "minute": 34, "second": 19}
